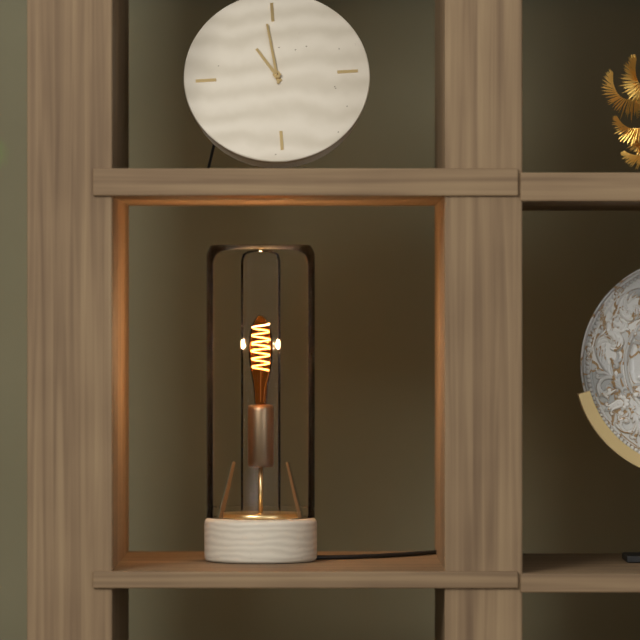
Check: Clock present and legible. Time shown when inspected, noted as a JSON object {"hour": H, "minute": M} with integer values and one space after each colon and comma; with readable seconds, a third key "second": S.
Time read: {"hour": 10, "minute": 59}
